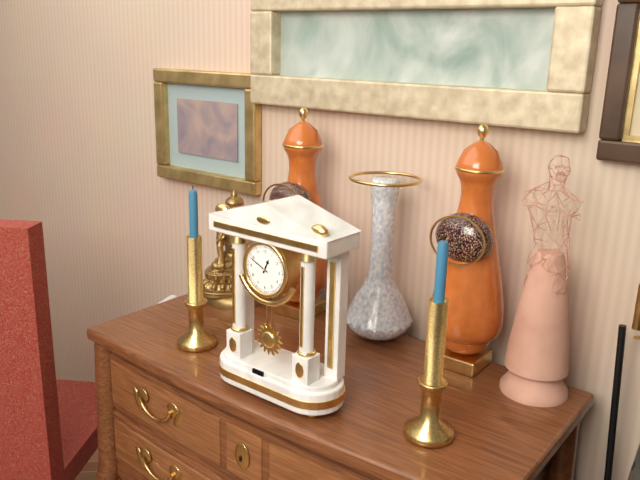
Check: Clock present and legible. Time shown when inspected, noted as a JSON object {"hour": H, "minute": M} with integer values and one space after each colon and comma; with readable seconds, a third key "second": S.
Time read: {"hour": 12, "minute": 49}
